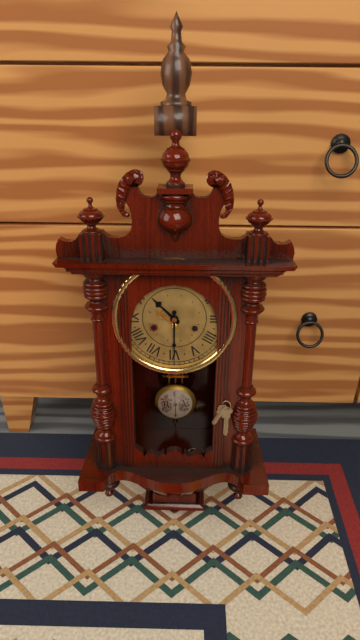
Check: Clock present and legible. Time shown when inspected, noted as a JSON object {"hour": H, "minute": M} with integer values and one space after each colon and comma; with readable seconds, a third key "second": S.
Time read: {"hour": 10, "minute": 30}
